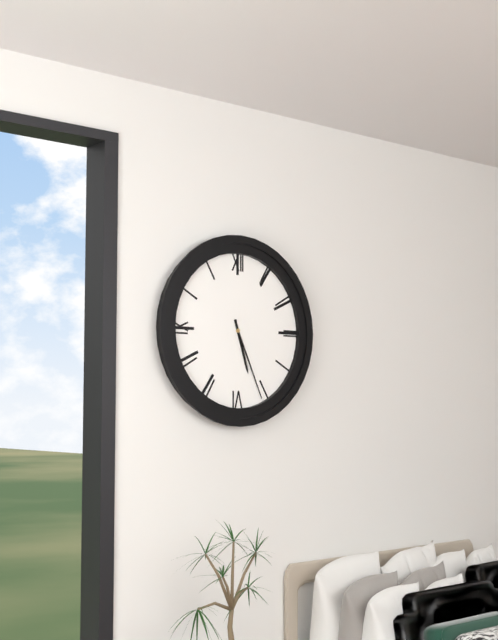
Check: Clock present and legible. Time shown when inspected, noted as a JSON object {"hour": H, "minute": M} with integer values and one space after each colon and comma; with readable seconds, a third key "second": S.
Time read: {"hour": 5, "minute": 26}
